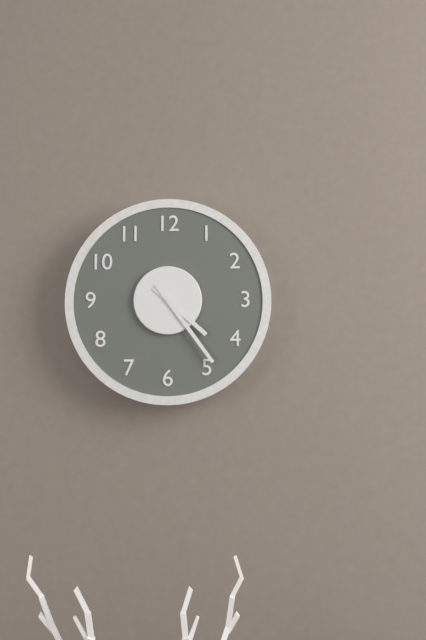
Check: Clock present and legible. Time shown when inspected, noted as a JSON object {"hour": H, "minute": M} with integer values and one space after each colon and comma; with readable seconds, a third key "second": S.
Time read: {"hour": 4, "minute": 24}
